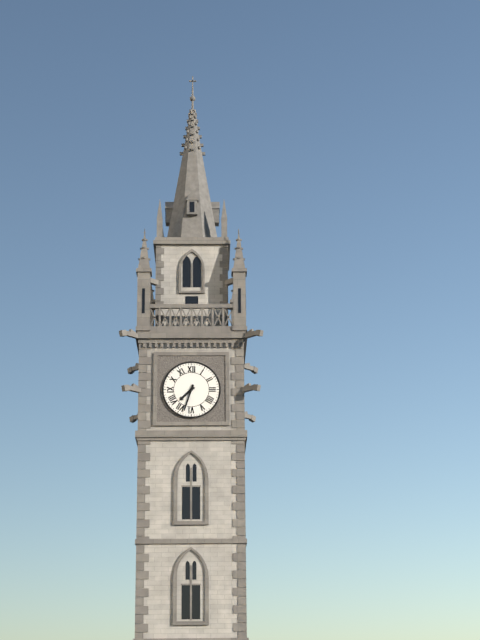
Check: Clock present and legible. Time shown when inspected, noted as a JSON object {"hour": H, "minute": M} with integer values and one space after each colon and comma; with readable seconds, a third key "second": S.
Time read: {"hour": 7, "minute": 33}
